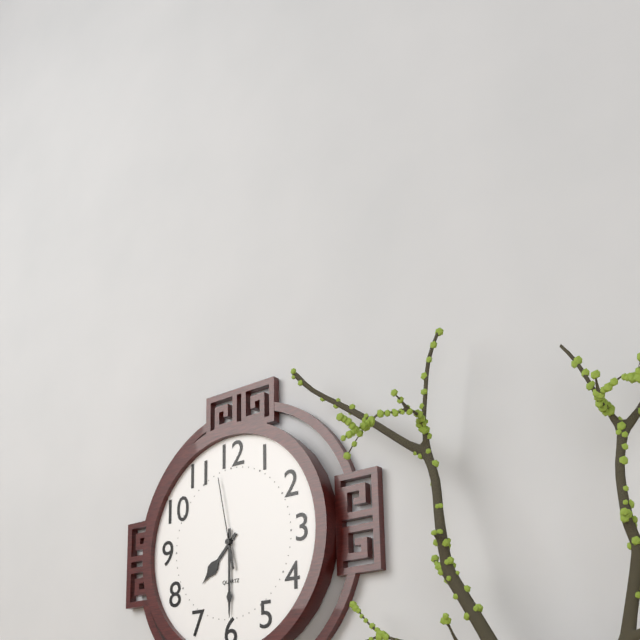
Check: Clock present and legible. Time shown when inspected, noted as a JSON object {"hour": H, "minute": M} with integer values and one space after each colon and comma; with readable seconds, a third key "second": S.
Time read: {"hour": 7, "minute": 30, "second": 58}
